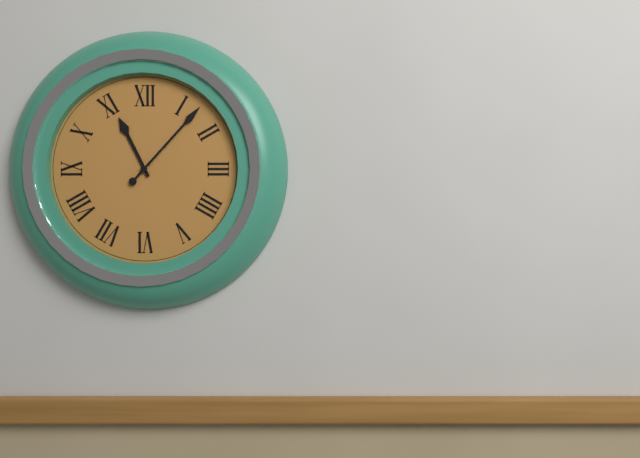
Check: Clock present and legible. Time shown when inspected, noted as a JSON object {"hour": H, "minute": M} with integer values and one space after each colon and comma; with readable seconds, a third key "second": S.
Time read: {"hour": 11, "minute": 7}
